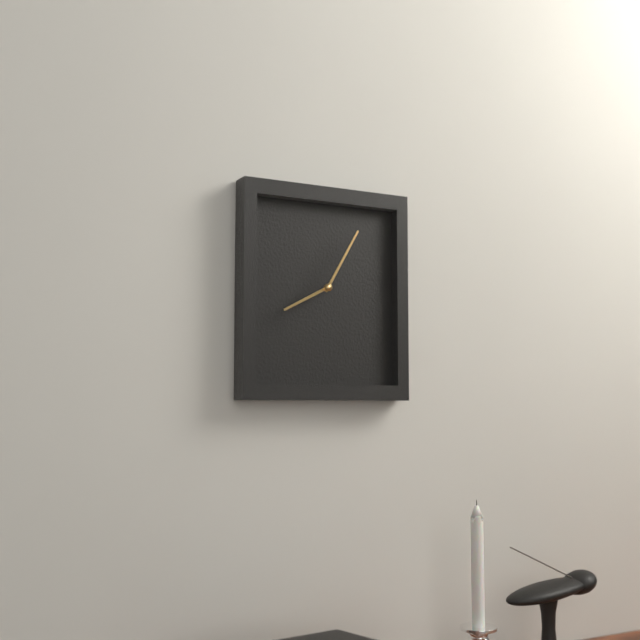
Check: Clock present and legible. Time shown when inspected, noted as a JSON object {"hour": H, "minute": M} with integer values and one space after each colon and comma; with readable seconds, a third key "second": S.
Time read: {"hour": 8, "minute": 5}
